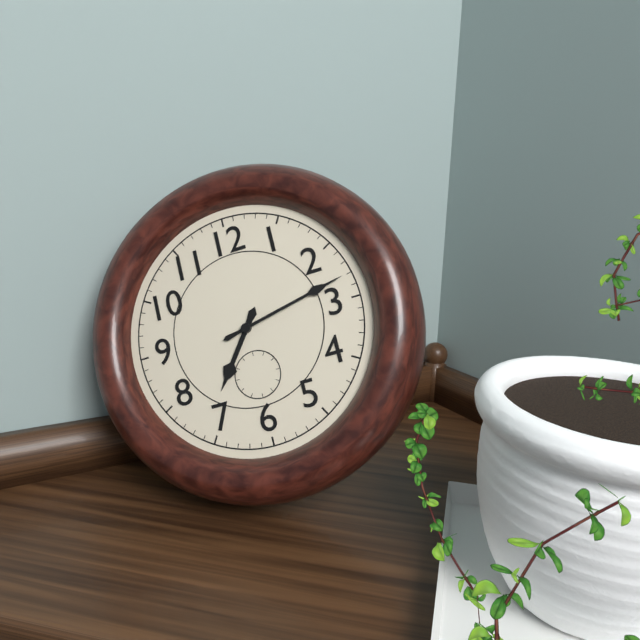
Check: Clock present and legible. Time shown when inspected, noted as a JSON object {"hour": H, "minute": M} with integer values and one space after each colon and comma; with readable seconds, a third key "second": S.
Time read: {"hour": 7, "minute": 13}
